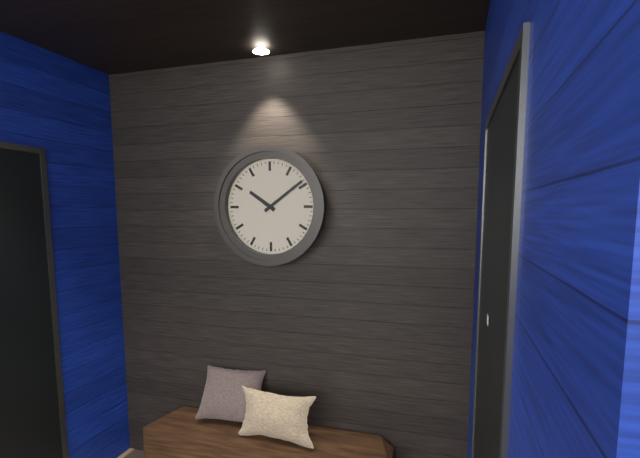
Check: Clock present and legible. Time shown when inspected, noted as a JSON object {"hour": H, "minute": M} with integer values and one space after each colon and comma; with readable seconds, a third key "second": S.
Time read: {"hour": 10, "minute": 9}
